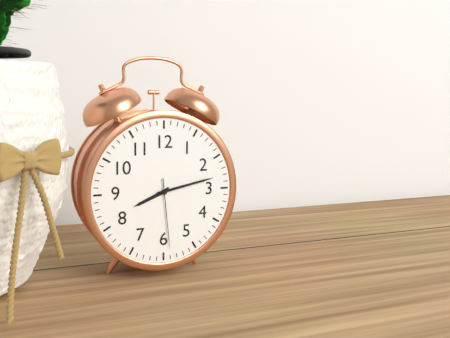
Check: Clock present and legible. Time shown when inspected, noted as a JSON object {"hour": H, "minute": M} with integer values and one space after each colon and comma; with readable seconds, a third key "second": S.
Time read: {"hour": 8, "minute": 13, "second": 29}
